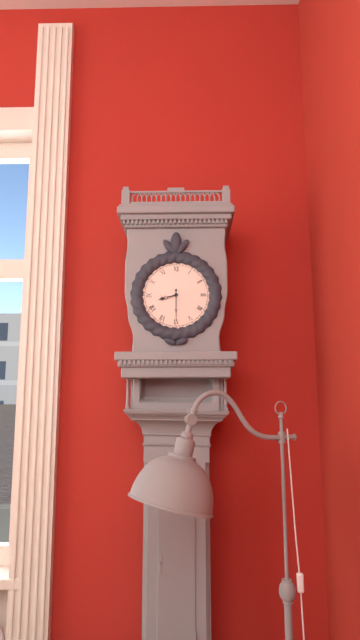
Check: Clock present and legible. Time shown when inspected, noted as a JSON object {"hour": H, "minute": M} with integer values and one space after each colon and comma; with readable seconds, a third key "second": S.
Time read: {"hour": 8, "minute": 30}
